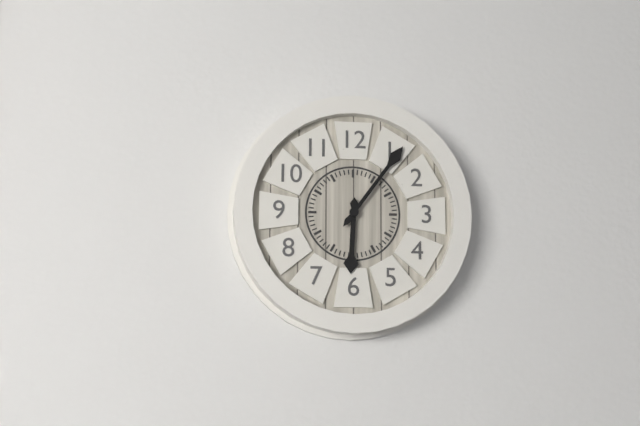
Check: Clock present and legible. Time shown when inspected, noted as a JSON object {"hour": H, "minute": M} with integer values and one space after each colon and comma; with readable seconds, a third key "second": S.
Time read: {"hour": 6, "minute": 6}
